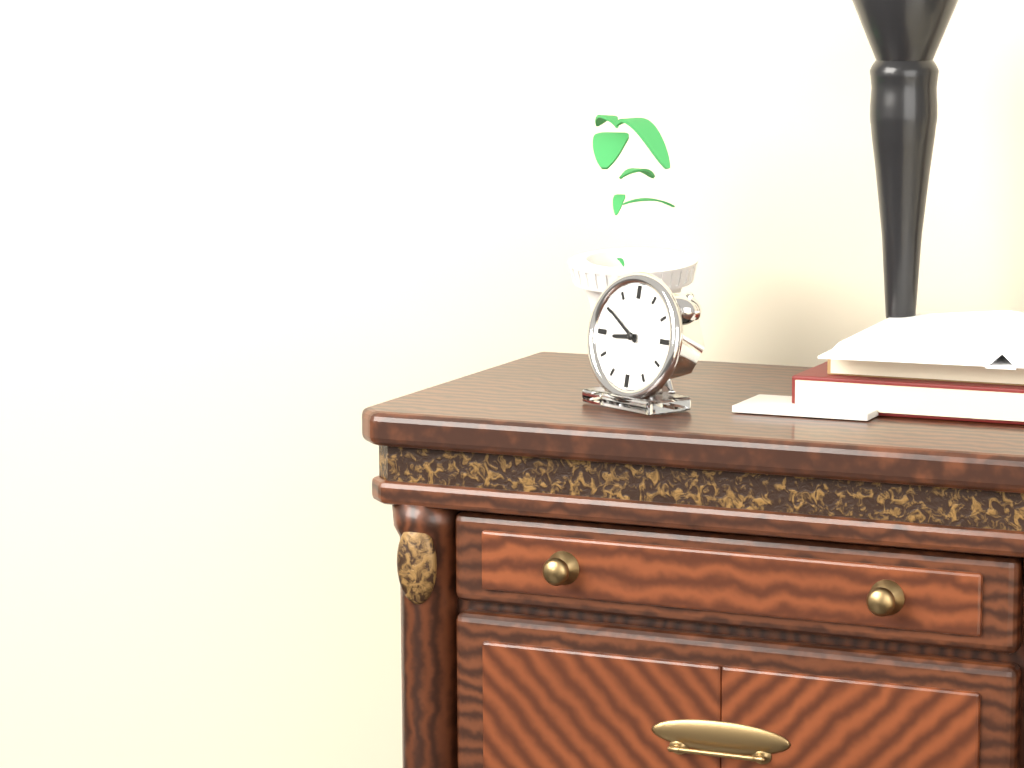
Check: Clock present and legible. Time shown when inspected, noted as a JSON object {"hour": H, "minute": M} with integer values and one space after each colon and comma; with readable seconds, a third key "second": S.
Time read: {"hour": 8, "minute": 50}
